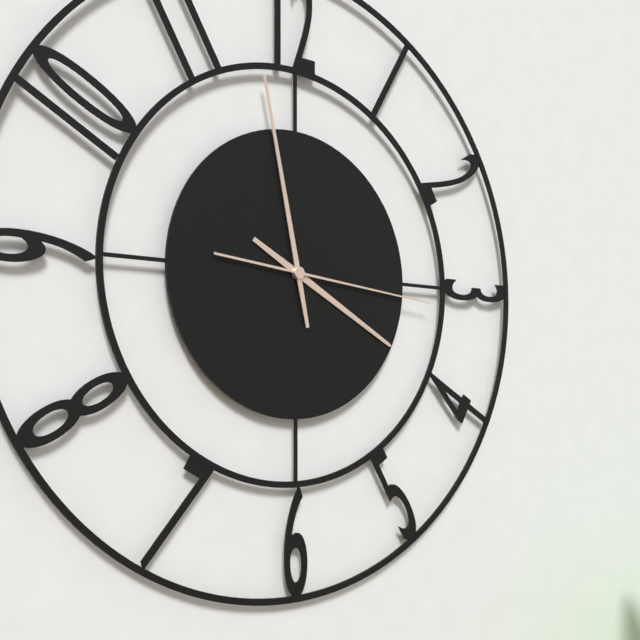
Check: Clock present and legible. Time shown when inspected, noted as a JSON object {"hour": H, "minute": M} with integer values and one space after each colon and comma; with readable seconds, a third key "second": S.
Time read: {"hour": 3, "minute": 58, "second": 16}
